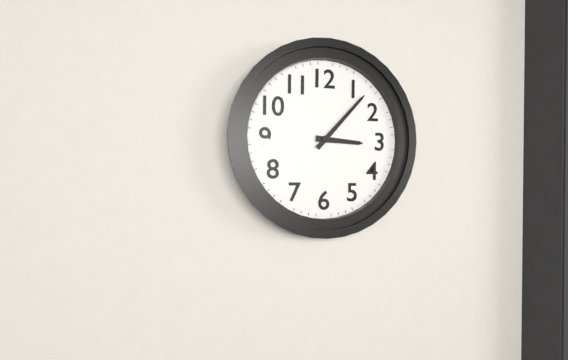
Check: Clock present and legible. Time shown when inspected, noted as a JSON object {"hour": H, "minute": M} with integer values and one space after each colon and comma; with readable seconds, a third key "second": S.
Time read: {"hour": 3, "minute": 7}
